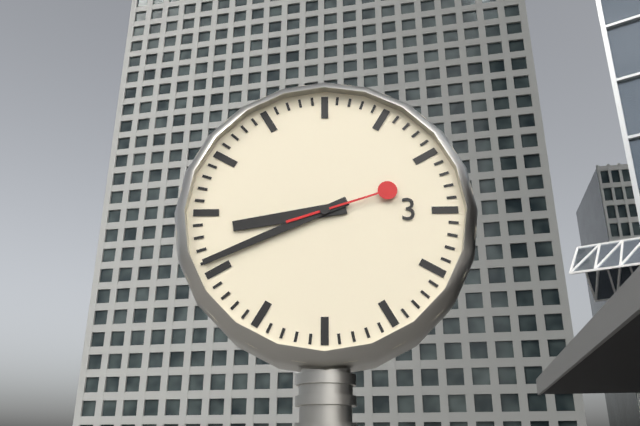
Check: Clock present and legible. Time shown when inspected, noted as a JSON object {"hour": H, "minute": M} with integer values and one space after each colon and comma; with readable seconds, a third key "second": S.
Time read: {"hour": 8, "minute": 41, "second": 12}
